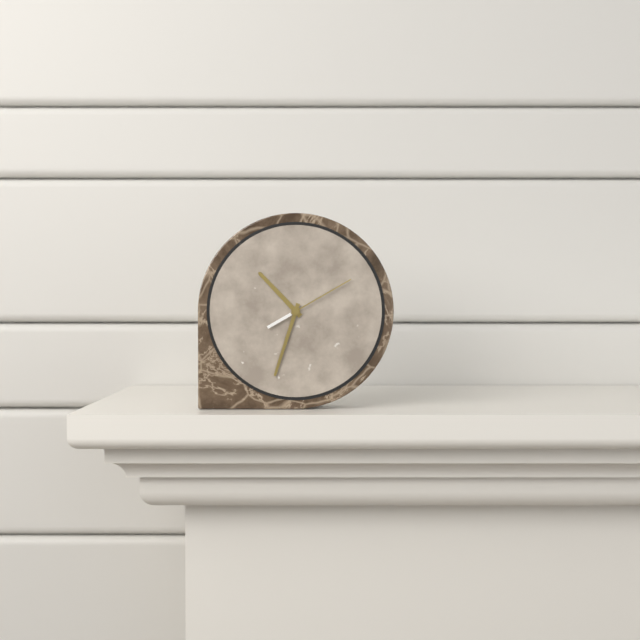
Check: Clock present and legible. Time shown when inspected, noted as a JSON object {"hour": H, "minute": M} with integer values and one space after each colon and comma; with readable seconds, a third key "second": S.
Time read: {"hour": 10, "minute": 33, "second": 10}
